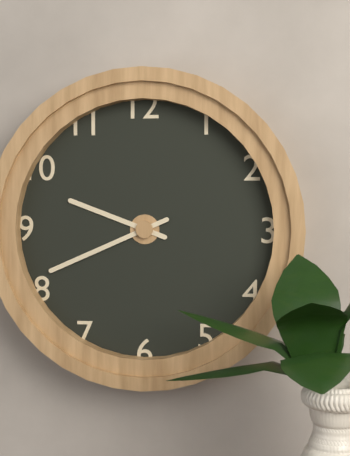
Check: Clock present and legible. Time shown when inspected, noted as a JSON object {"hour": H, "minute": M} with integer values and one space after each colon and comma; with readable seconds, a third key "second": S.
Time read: {"hour": 9, "minute": 41}
